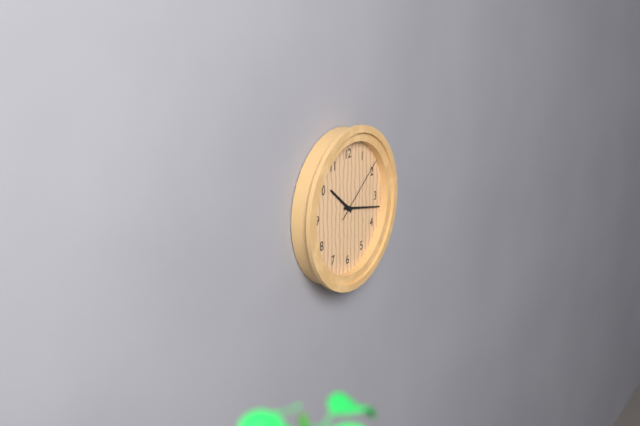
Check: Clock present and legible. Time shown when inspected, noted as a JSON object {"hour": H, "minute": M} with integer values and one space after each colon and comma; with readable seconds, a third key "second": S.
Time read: {"hour": 10, "minute": 17, "second": 9}
